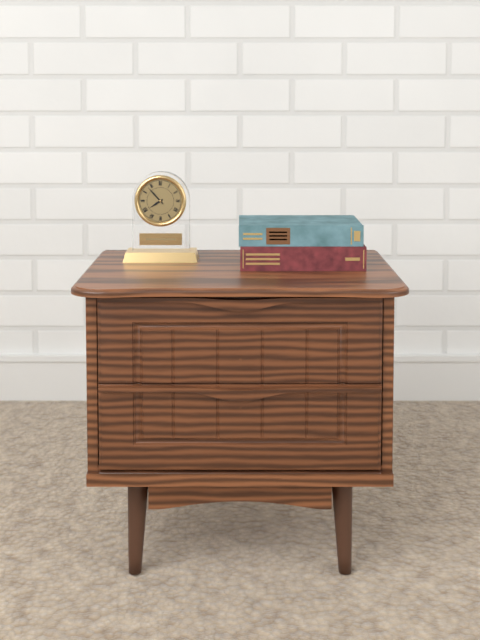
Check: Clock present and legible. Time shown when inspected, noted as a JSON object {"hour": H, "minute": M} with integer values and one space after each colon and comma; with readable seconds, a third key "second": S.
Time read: {"hour": 7, "minute": 53}
